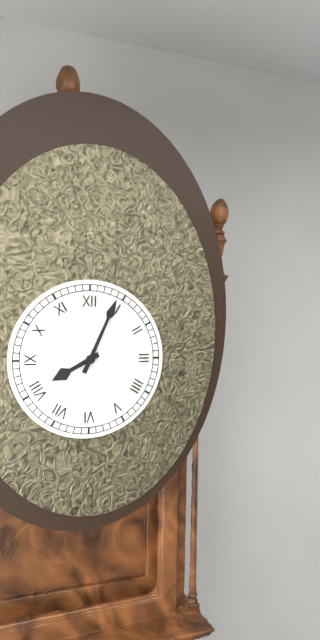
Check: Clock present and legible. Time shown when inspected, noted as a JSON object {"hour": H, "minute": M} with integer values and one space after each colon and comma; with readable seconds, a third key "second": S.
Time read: {"hour": 8, "minute": 4}
